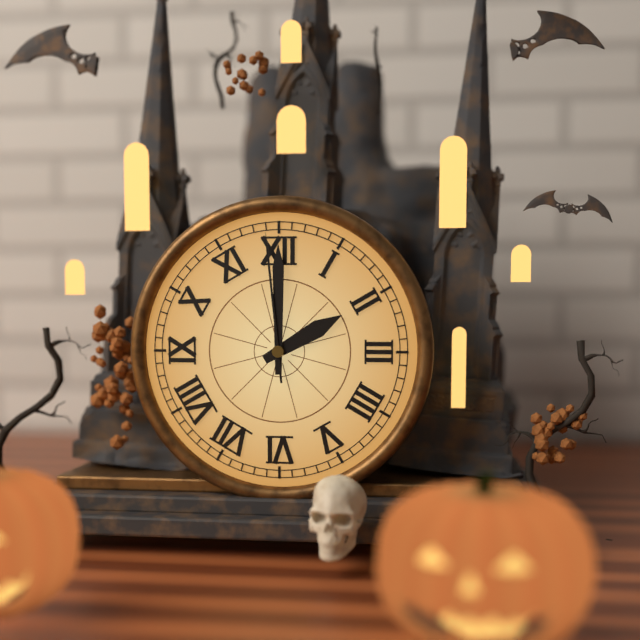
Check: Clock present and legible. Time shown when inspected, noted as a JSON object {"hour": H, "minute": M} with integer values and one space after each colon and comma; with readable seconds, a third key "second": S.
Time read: {"hour": 2, "minute": 0, "second": 59}
